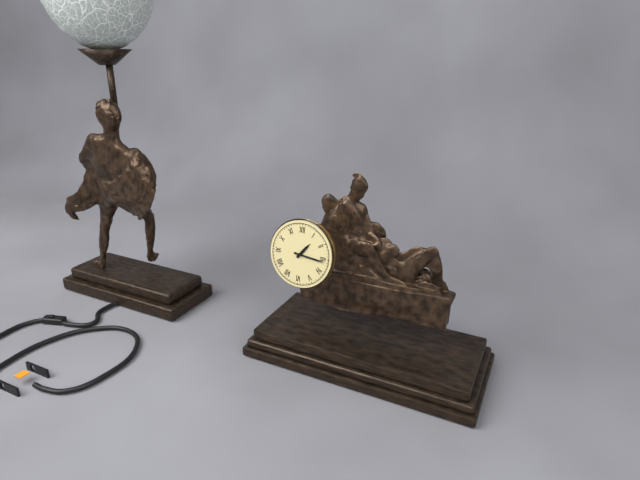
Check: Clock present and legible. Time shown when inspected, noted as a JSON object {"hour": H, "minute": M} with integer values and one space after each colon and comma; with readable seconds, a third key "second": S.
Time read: {"hour": 1, "minute": 16}
